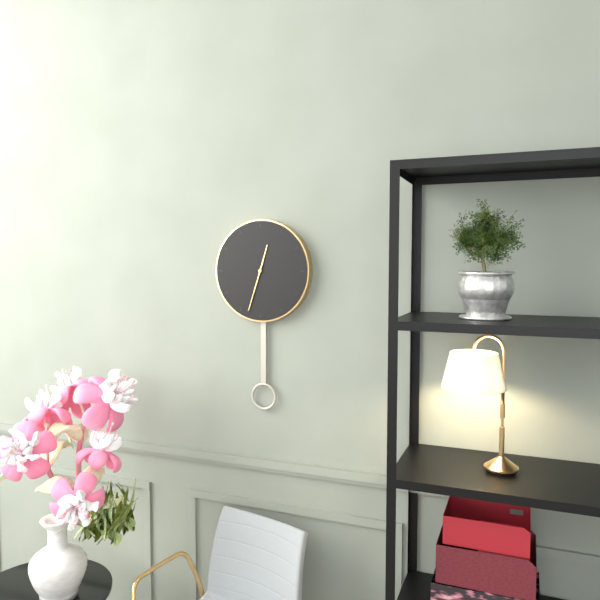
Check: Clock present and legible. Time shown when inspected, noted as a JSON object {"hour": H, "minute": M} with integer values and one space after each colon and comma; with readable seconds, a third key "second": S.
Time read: {"hour": 12, "minute": 33}
